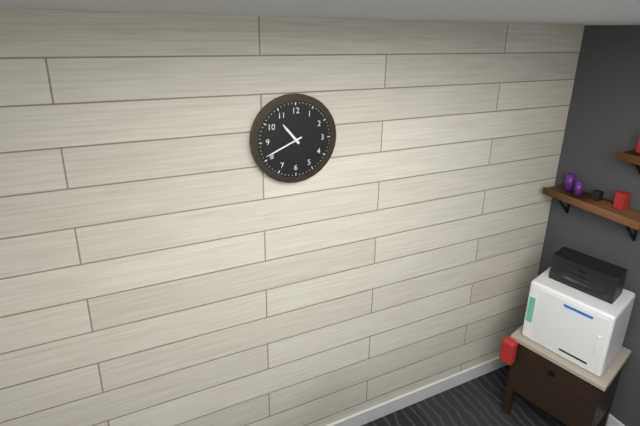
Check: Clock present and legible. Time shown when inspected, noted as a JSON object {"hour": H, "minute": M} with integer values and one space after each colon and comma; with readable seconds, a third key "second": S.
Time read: {"hour": 10, "minute": 41}
